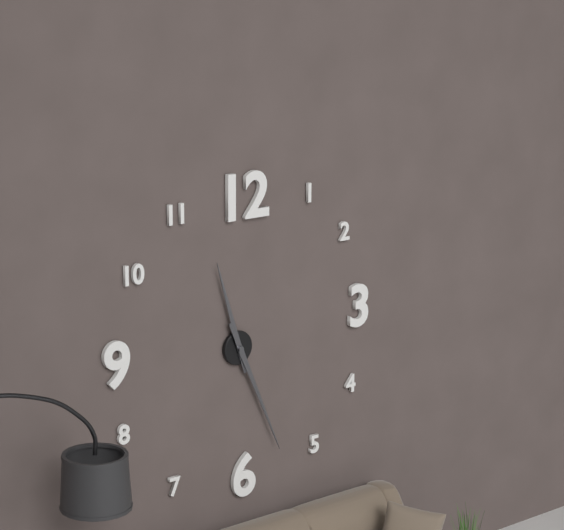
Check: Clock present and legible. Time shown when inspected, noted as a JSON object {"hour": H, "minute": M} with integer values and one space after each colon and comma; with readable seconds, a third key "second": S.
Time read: {"hour": 11, "minute": 26}
